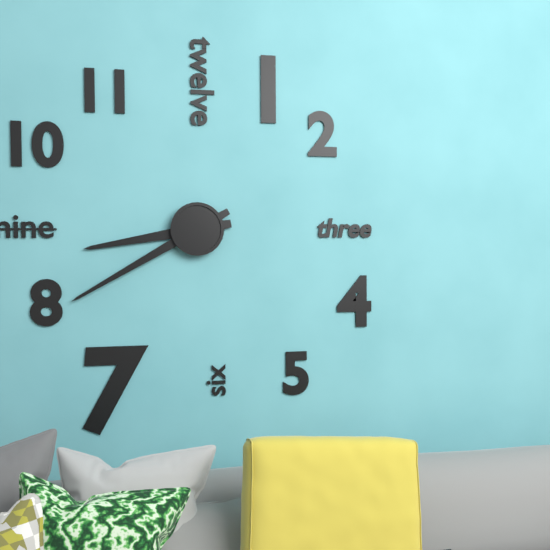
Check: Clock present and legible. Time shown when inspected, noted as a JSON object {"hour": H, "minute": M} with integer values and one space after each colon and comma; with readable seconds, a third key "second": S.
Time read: {"hour": 8, "minute": 40}
